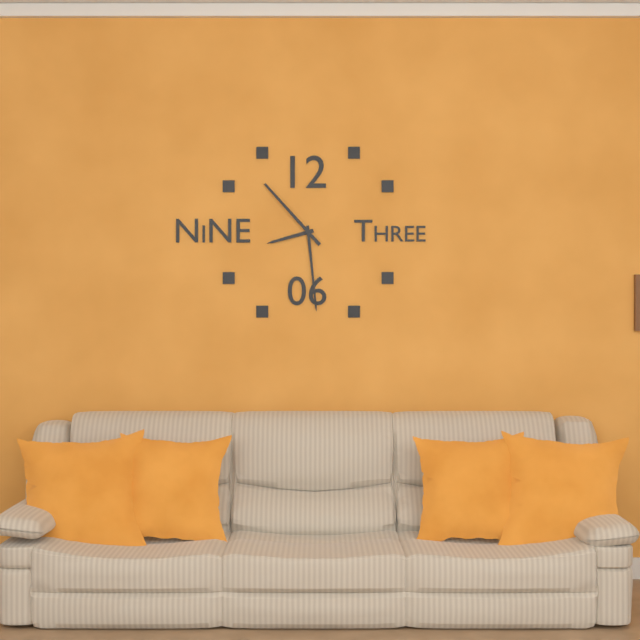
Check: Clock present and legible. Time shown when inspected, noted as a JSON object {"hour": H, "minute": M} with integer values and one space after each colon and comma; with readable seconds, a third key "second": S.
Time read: {"hour": 8, "minute": 29, "second": 53}
